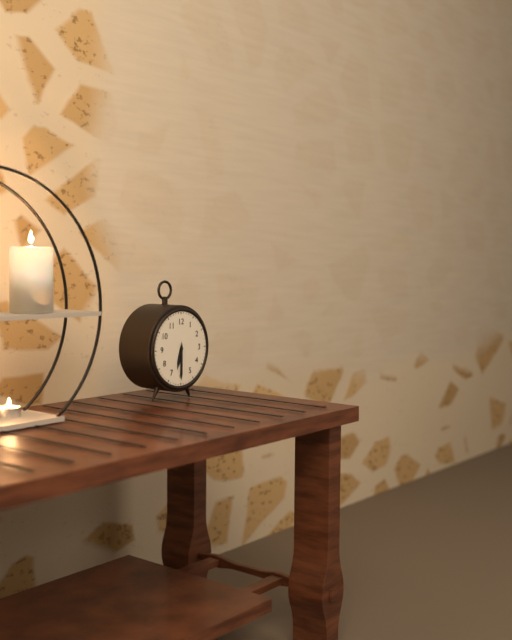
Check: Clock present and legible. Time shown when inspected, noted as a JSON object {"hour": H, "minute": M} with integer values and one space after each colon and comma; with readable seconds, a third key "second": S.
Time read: {"hour": 6, "minute": 30}
